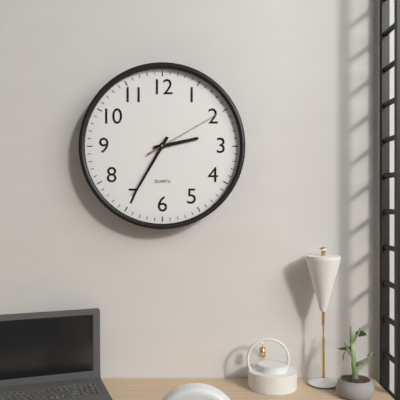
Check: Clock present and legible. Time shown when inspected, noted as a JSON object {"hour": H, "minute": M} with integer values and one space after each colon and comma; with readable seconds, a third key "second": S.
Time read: {"hour": 2, "minute": 35, "second": 10}
